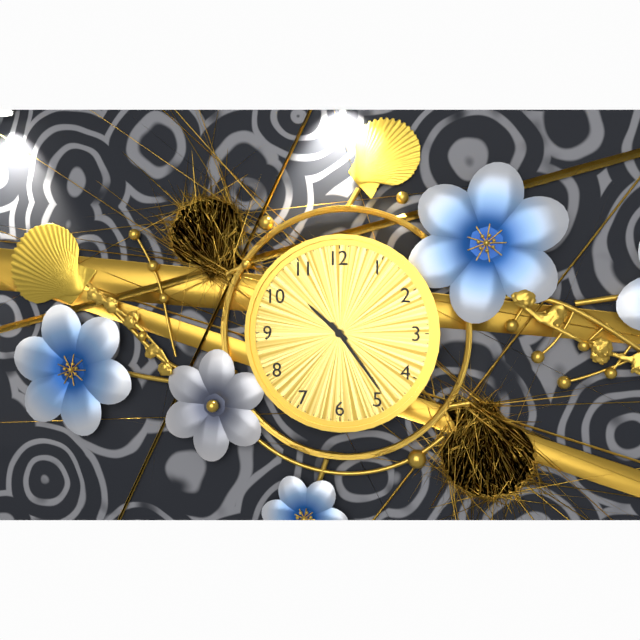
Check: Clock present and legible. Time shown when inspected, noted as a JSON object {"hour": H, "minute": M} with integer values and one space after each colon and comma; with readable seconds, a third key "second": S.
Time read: {"hour": 10, "minute": 24}
